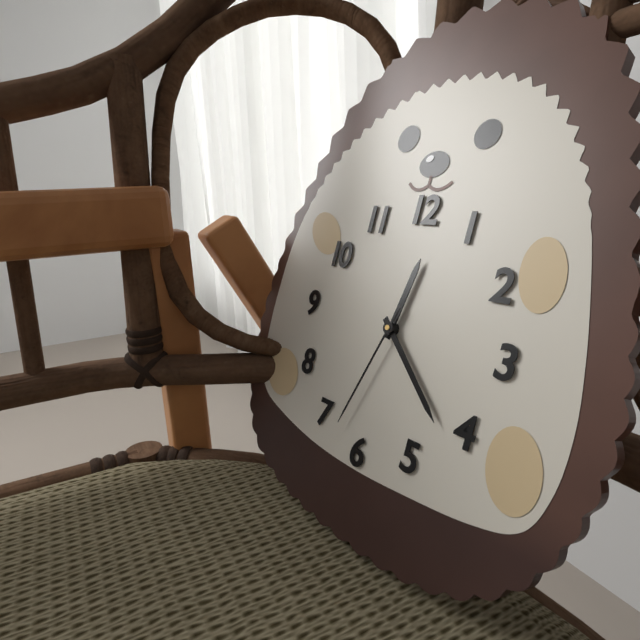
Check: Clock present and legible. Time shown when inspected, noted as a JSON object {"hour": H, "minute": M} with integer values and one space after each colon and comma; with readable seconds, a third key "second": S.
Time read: {"hour": 12, "minute": 22, "second": 33}
